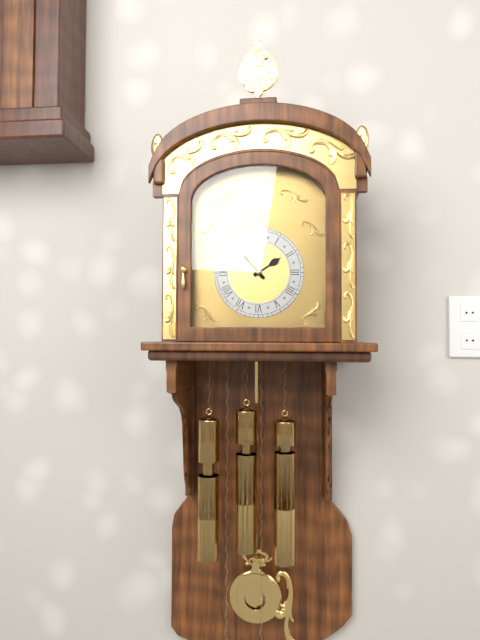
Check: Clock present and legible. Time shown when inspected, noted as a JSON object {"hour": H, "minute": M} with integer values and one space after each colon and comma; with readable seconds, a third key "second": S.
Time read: {"hour": 1, "minute": 53}
